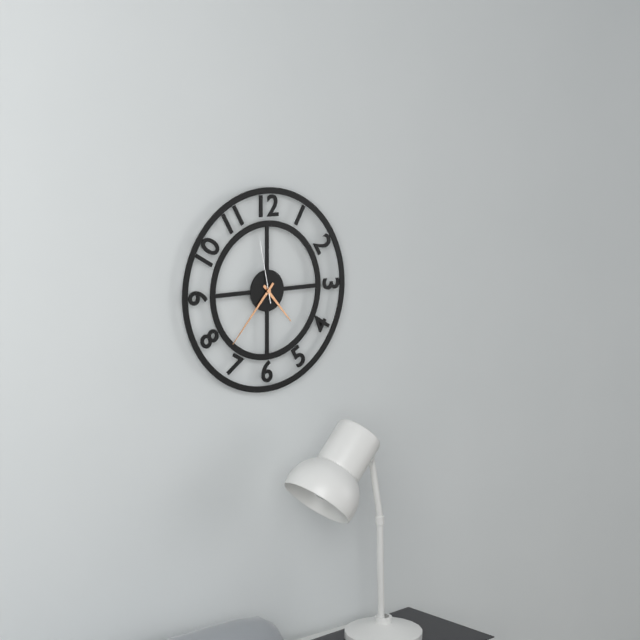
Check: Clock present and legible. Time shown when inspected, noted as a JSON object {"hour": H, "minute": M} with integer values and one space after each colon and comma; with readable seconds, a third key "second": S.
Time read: {"hour": 4, "minute": 37, "second": 58}
